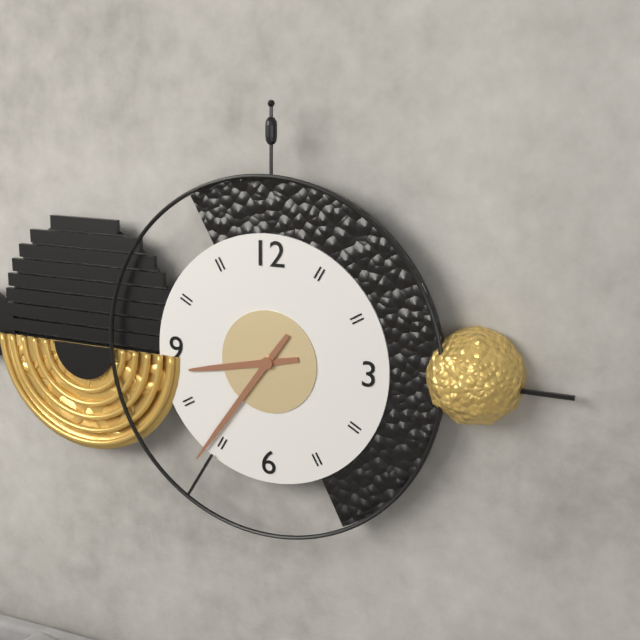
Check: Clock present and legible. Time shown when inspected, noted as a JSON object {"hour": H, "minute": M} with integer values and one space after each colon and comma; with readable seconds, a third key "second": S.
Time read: {"hour": 8, "minute": 36}
